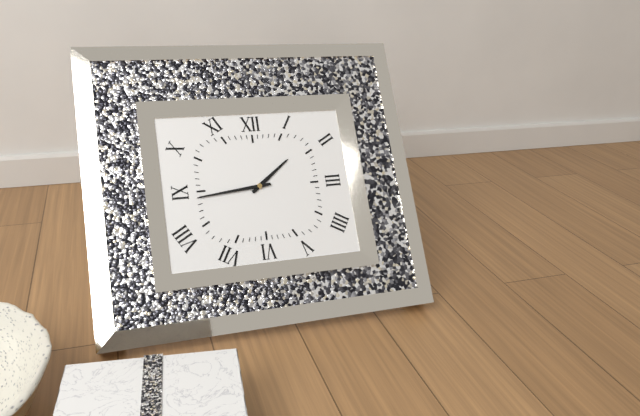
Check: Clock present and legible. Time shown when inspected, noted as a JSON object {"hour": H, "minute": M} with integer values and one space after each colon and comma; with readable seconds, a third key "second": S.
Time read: {"hour": 1, "minute": 44}
